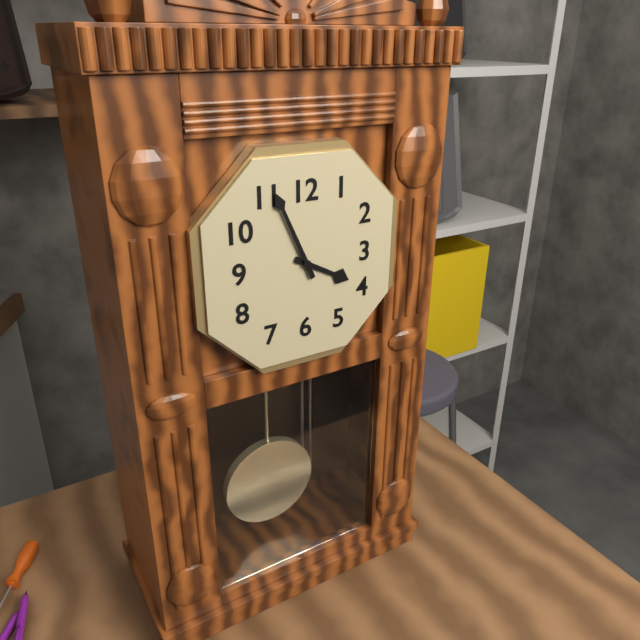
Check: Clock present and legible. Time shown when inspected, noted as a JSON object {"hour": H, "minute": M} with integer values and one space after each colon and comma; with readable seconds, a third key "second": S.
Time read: {"hour": 3, "minute": 56}
